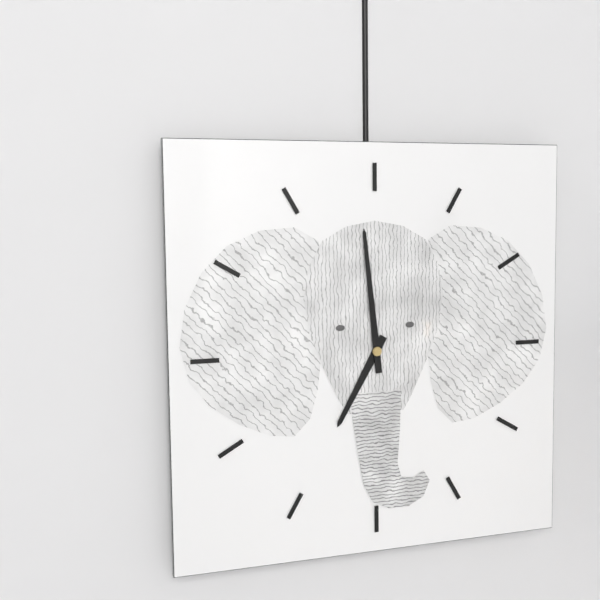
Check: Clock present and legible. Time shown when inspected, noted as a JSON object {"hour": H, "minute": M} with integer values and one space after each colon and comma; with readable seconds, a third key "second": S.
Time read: {"hour": 6, "minute": 59}
